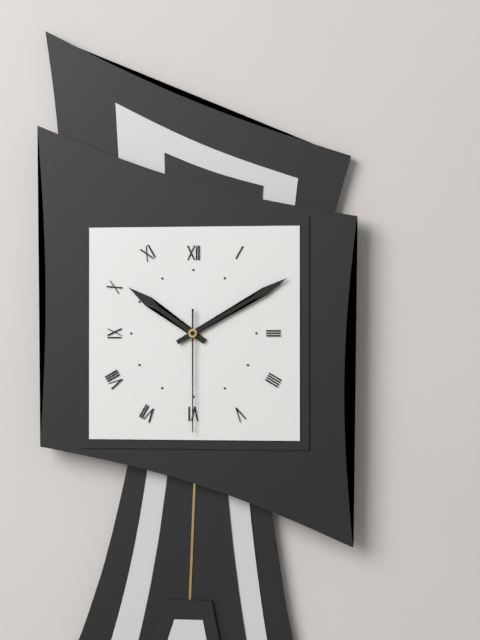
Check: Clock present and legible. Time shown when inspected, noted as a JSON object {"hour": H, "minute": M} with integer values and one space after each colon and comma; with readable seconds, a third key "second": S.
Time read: {"hour": 10, "minute": 10, "second": 30}
